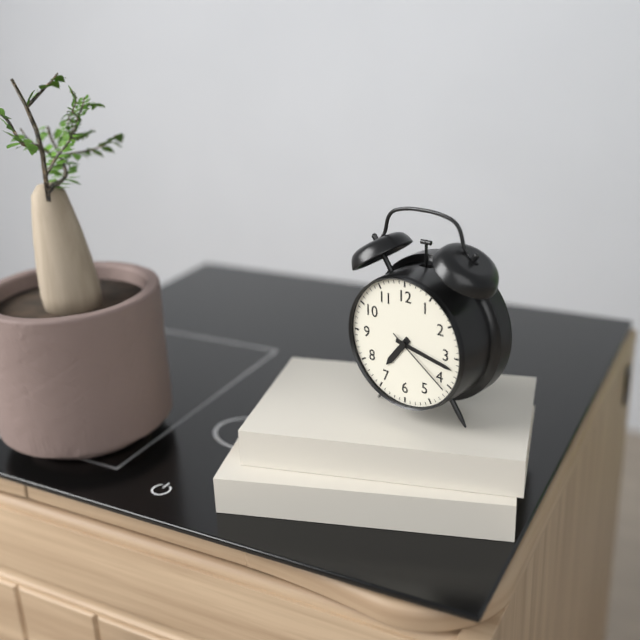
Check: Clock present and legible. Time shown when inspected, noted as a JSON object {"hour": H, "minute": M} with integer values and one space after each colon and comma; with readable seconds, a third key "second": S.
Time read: {"hour": 7, "minute": 17, "second": 21}
